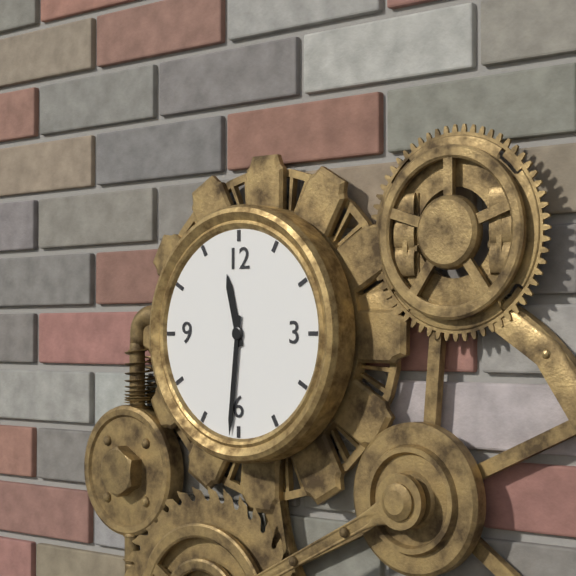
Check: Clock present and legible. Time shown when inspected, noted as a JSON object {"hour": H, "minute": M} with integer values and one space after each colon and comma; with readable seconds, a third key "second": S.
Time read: {"hour": 11, "minute": 31}
